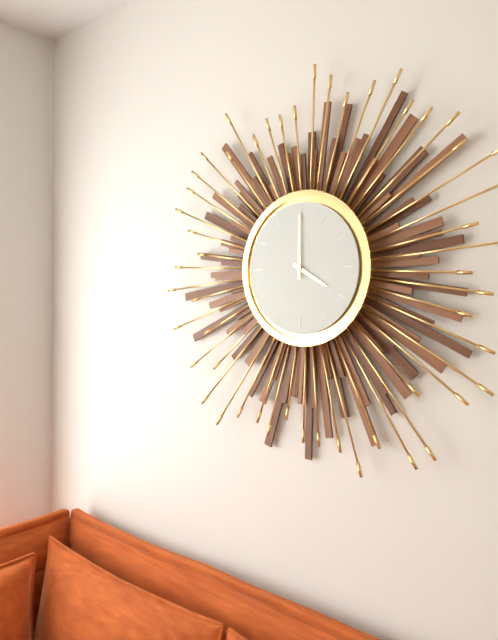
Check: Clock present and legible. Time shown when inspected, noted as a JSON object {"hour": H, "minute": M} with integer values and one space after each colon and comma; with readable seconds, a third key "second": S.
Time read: {"hour": 4, "minute": 0}
